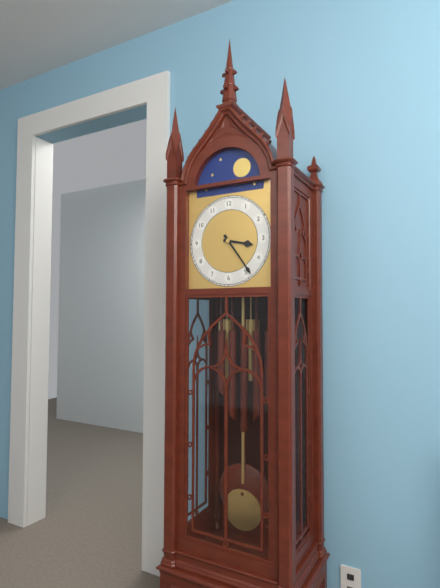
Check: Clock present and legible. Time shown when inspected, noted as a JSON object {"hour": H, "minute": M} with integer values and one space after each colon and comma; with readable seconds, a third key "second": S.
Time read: {"hour": 3, "minute": 24}
